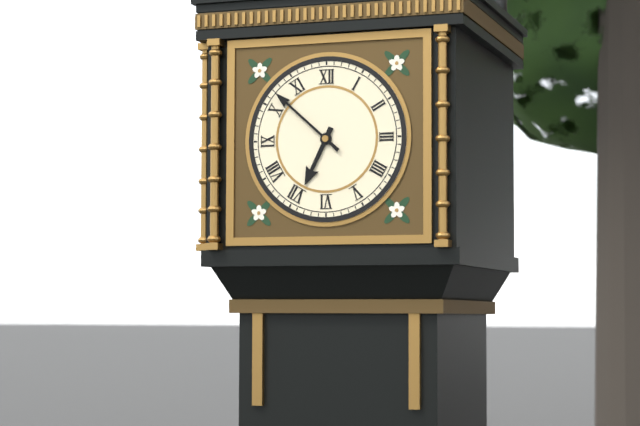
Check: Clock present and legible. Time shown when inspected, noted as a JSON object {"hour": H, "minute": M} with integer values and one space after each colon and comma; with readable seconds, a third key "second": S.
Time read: {"hour": 6, "minute": 52}
